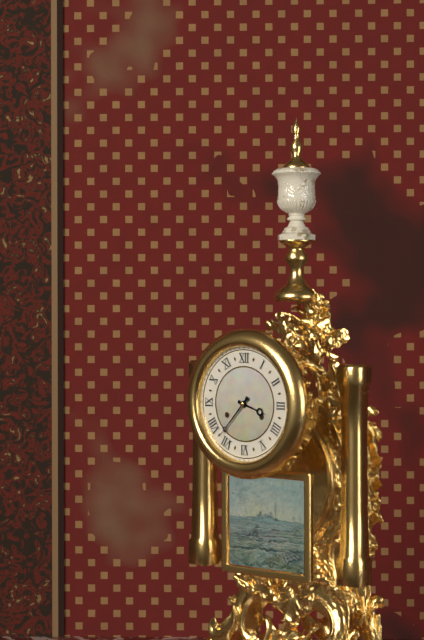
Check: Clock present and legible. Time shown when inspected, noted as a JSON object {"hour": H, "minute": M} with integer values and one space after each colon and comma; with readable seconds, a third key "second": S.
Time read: {"hour": 3, "minute": 37}
